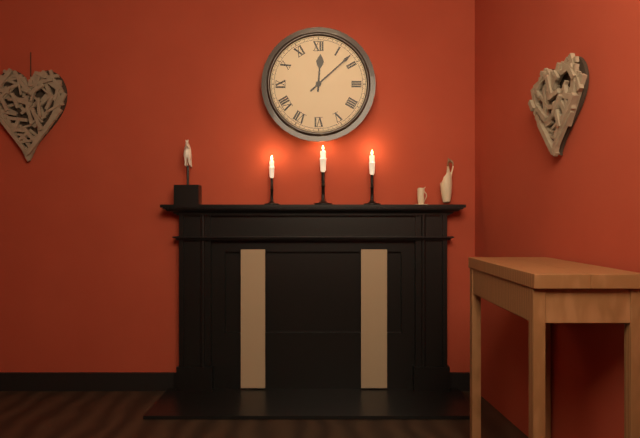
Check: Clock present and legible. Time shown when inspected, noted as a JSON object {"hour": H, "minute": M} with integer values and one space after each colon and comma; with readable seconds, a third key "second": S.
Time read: {"hour": 12, "minute": 8}
